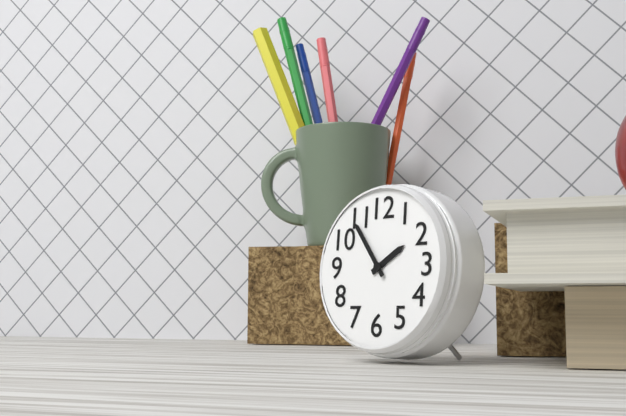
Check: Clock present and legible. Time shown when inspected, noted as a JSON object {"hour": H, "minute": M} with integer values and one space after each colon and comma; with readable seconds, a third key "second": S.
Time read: {"hour": 1, "minute": 54}
